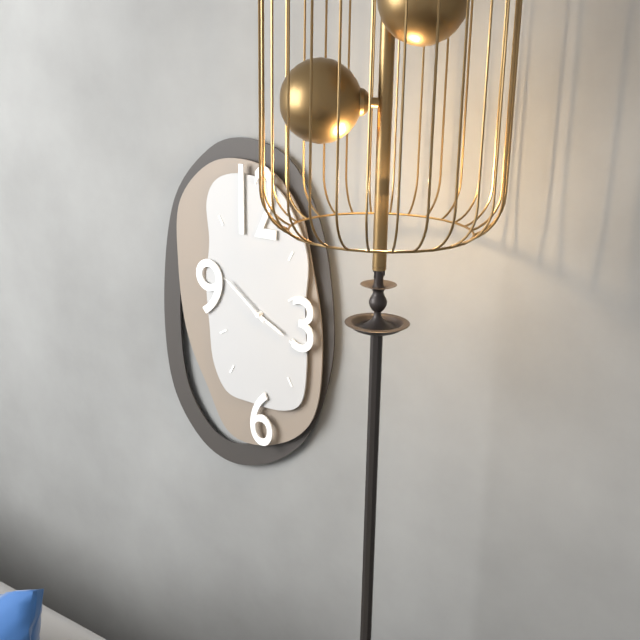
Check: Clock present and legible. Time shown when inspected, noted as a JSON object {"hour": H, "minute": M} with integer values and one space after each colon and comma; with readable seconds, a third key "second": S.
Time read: {"hour": 3, "minute": 51}
